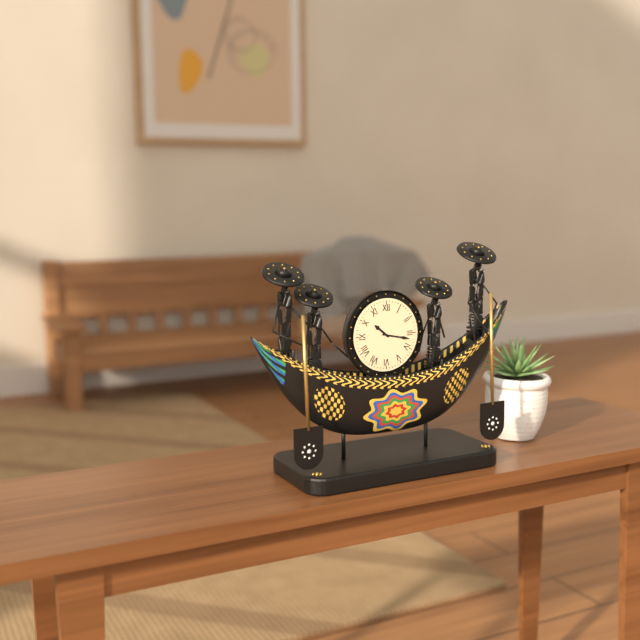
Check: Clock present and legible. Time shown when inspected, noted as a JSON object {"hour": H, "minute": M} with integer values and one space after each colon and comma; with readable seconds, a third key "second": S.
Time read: {"hour": 10, "minute": 17}
